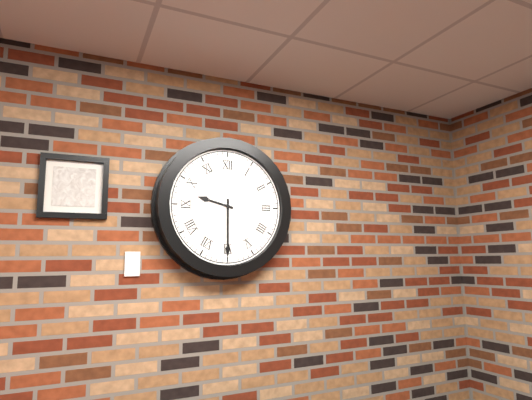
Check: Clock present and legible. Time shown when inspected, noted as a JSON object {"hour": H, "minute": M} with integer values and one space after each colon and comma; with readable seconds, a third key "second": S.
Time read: {"hour": 9, "minute": 30}
